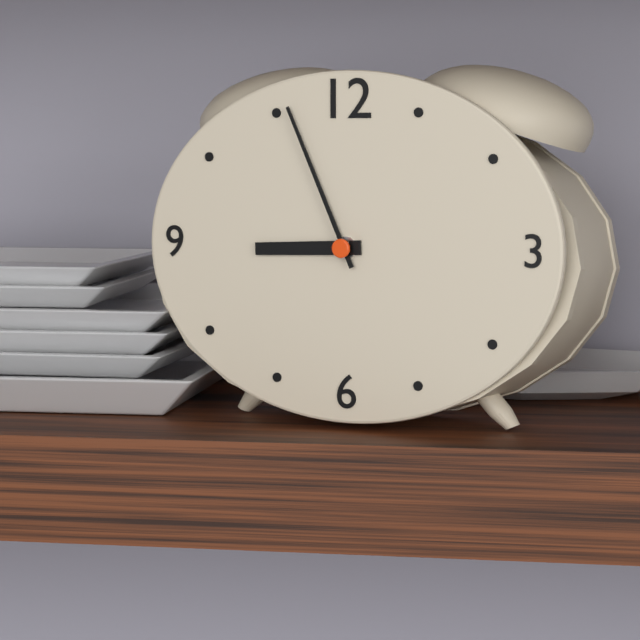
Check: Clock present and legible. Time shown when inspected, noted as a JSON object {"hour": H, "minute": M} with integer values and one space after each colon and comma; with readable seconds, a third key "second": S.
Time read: {"hour": 8, "minute": 56}
